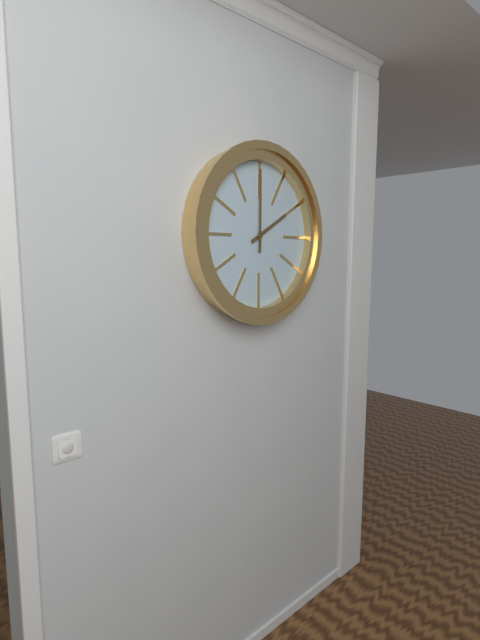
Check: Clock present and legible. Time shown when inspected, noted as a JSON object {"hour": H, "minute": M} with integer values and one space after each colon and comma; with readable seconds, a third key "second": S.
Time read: {"hour": 2, "minute": 0}
